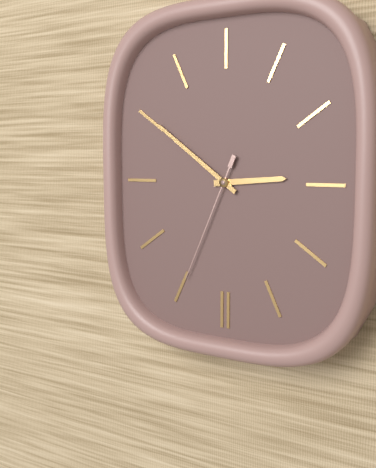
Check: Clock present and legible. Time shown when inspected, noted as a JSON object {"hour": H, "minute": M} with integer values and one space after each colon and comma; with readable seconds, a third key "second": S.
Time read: {"hour": 2, "minute": 51, "second": 34}
